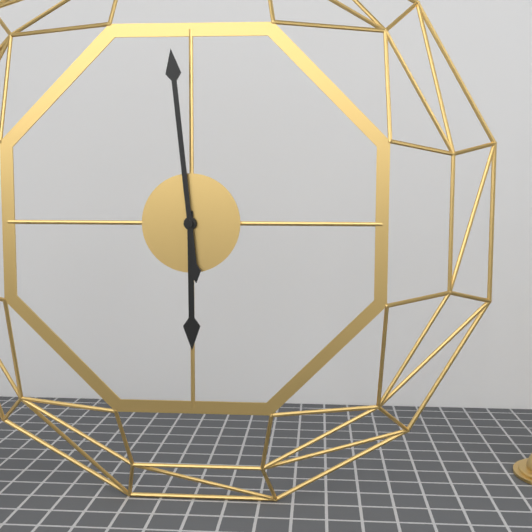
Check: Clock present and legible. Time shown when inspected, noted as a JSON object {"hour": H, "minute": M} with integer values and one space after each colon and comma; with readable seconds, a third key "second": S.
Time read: {"hour": 5, "minute": 59}
